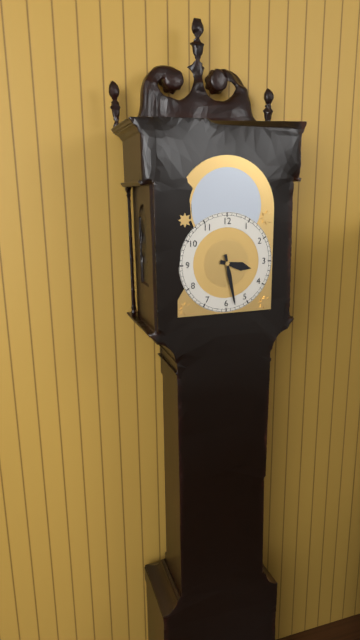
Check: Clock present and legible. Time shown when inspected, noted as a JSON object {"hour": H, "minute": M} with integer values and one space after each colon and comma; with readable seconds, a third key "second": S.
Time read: {"hour": 3, "minute": 28}
